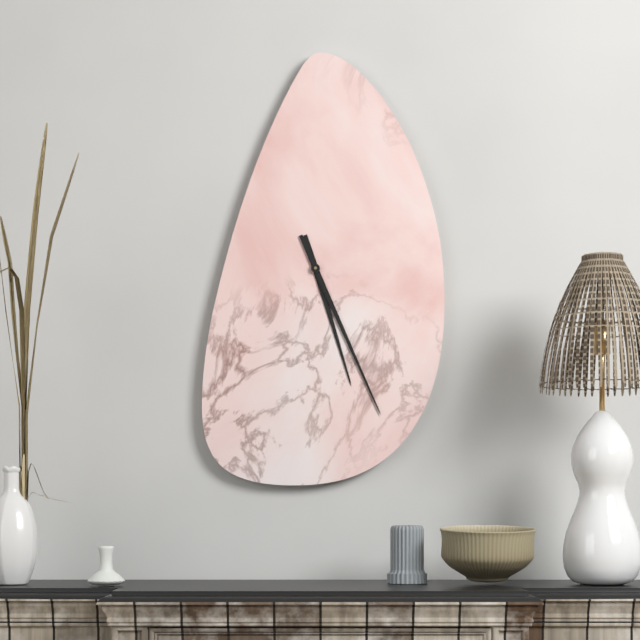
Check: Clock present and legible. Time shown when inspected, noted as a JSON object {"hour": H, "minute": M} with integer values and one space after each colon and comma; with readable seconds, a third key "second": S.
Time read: {"hour": 5, "minute": 26}
